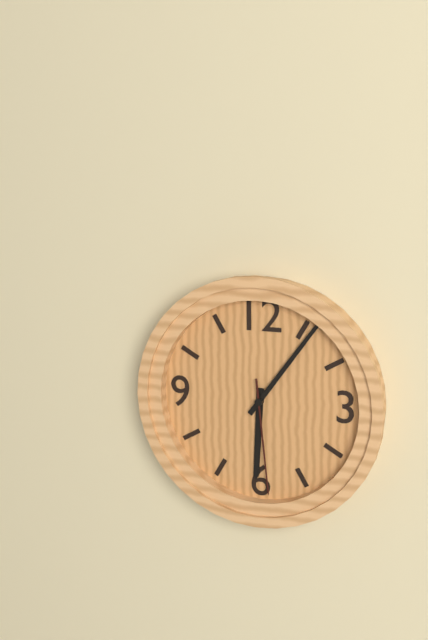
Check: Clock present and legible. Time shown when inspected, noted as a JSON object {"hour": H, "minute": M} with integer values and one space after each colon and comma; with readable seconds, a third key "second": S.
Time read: {"hour": 6, "minute": 6, "second": 29}
